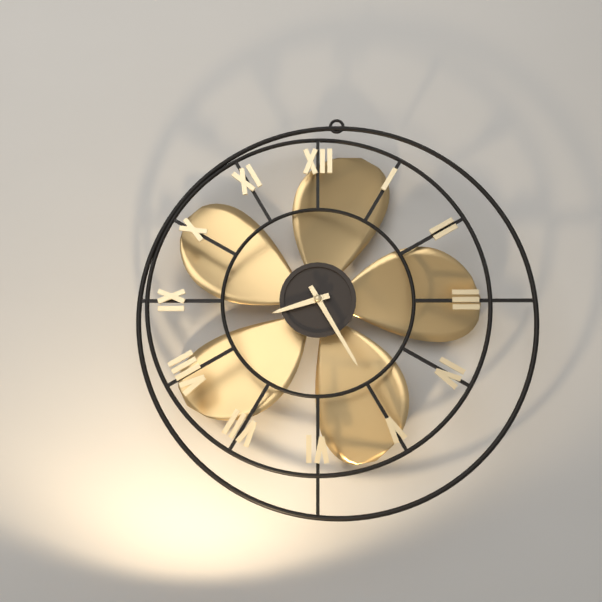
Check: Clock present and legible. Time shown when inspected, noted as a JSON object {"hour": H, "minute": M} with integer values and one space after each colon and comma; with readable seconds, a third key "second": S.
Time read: {"hour": 8, "minute": 25}
